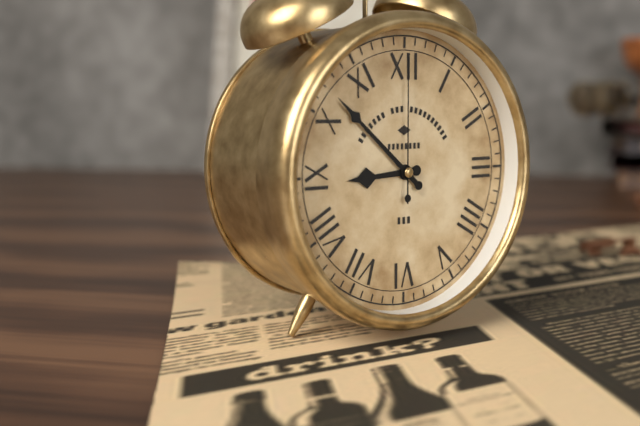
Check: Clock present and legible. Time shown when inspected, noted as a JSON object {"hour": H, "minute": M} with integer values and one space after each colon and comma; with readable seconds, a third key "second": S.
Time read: {"hour": 8, "minute": 52, "second": 0}
